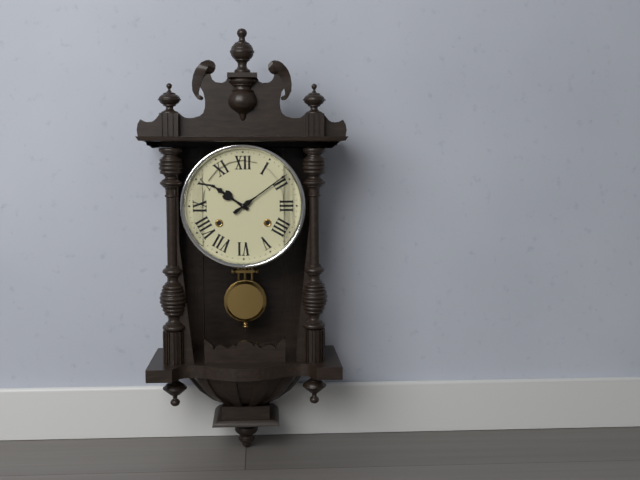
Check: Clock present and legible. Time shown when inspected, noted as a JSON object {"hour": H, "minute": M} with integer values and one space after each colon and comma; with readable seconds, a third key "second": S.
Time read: {"hour": 10, "minute": 9}
